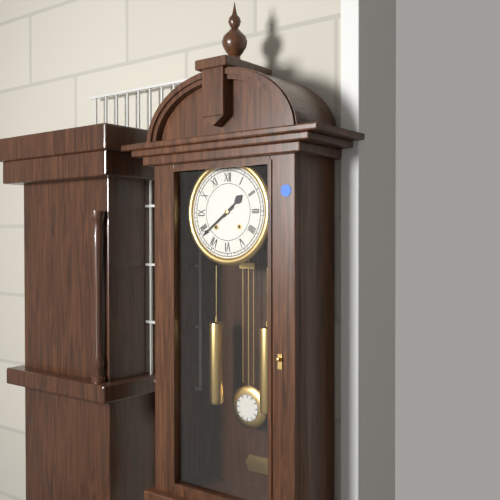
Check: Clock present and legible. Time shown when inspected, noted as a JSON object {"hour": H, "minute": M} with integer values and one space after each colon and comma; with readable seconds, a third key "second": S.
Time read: {"hour": 1, "minute": 39}
